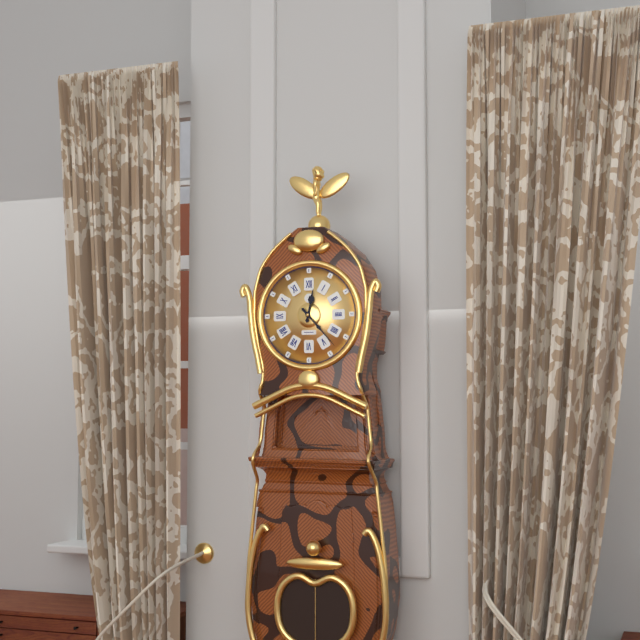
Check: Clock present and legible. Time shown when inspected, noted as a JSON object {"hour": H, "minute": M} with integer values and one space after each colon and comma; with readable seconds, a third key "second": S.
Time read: {"hour": 12, "minute": 23}
